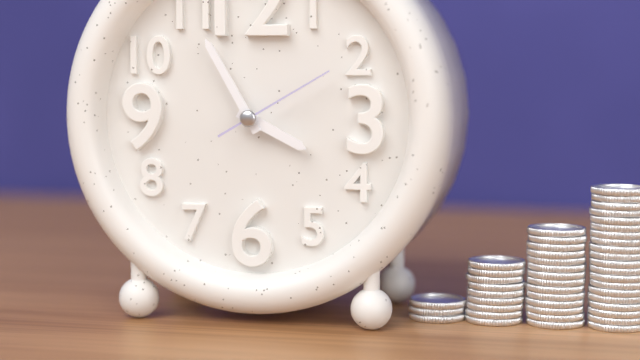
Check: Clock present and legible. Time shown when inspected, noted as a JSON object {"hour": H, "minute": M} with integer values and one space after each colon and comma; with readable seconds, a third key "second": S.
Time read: {"hour": 3, "minute": 55, "second": 10}
